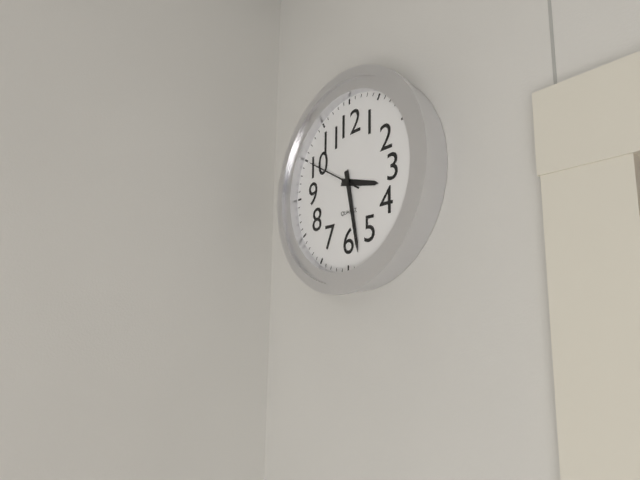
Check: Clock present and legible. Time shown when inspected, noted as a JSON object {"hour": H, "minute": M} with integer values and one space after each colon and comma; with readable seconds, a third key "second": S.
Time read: {"hour": 3, "minute": 28, "second": 50}
